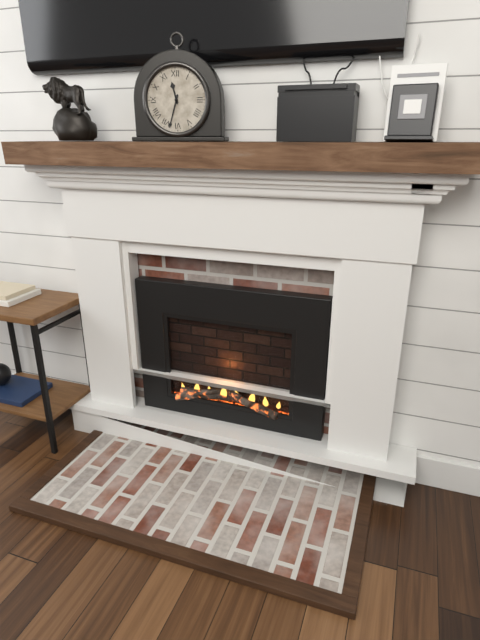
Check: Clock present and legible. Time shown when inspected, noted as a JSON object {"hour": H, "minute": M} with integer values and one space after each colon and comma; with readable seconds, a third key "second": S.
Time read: {"hour": 11, "minute": 33}
